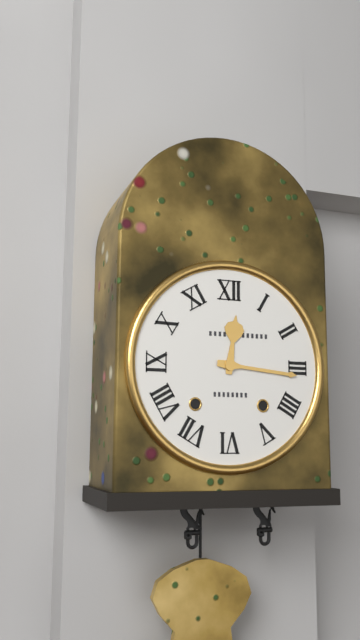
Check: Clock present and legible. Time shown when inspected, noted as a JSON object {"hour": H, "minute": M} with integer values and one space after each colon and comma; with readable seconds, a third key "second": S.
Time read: {"hour": 12, "minute": 16}
